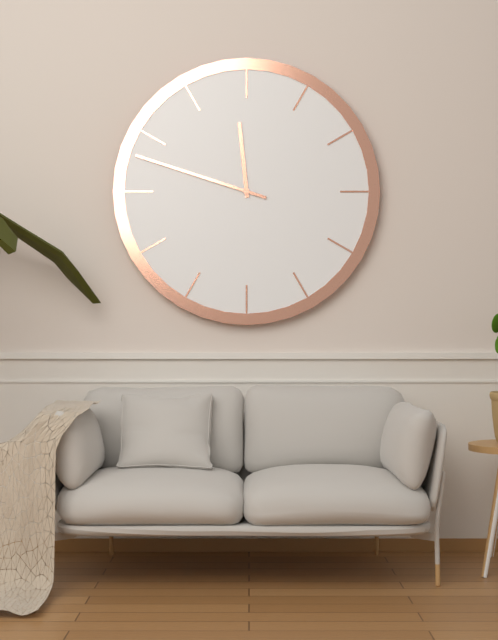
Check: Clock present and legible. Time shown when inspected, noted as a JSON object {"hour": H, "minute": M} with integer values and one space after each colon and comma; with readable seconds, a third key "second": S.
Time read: {"hour": 11, "minute": 48}
